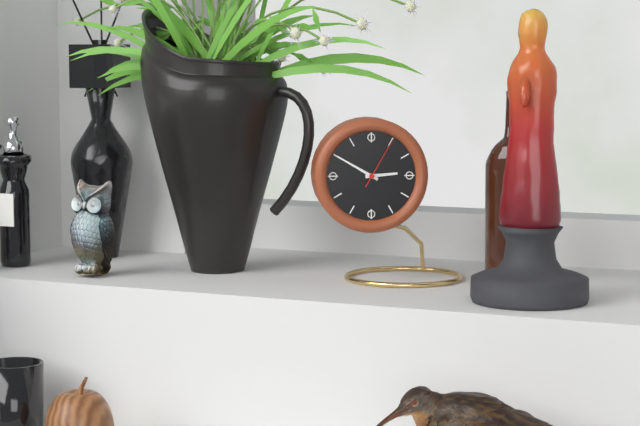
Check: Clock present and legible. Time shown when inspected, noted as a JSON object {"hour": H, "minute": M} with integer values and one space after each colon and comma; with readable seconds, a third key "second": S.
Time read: {"hour": 2, "minute": 50, "second": 5}
